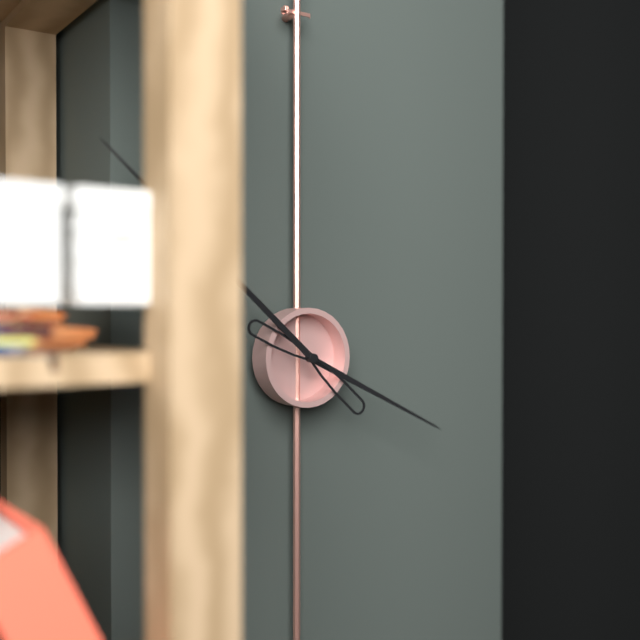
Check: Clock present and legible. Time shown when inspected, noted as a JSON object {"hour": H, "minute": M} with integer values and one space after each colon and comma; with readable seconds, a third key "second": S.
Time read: {"hour": 3, "minute": 52}
